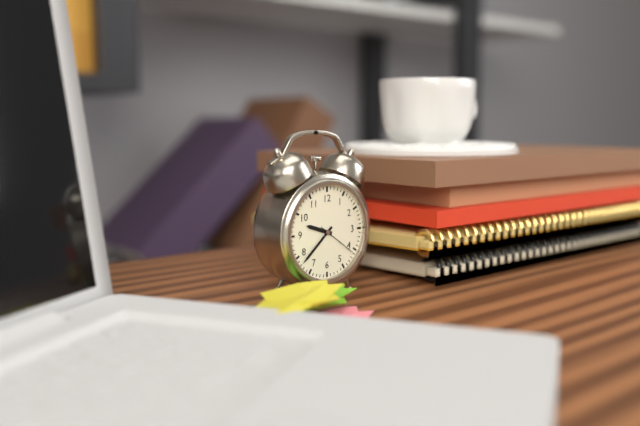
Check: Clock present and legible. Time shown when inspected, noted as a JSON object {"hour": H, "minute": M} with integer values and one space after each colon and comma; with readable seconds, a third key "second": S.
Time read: {"hour": 9, "minute": 38}
